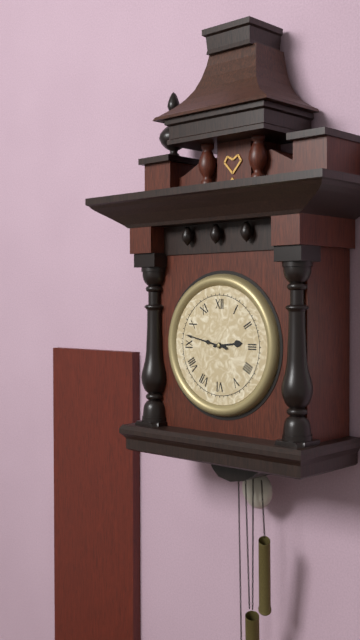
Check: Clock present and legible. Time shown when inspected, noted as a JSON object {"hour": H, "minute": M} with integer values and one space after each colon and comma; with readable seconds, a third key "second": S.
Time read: {"hour": 2, "minute": 47}
